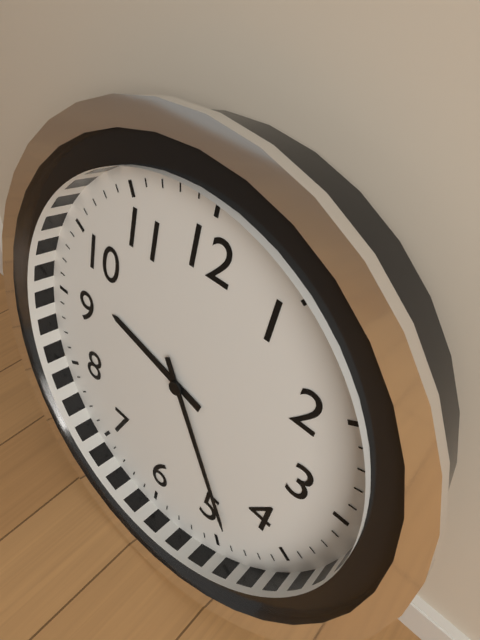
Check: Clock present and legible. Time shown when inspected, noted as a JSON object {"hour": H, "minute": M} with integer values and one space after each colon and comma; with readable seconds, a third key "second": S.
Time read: {"hour": 9, "minute": 24}
